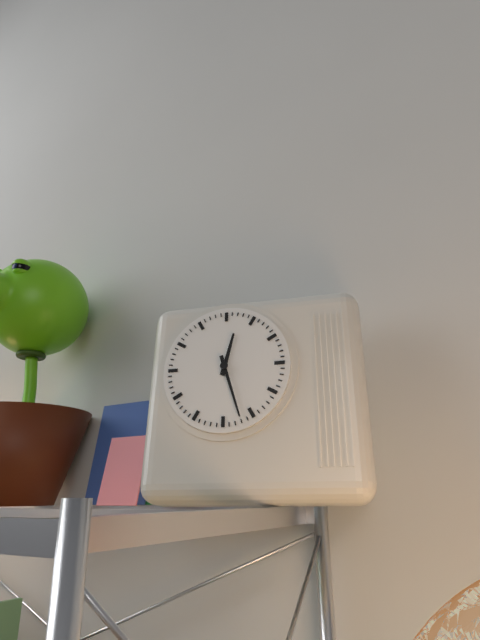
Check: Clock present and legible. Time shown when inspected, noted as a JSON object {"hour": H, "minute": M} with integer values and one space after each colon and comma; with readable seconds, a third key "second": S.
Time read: {"hour": 12, "minute": 27}
